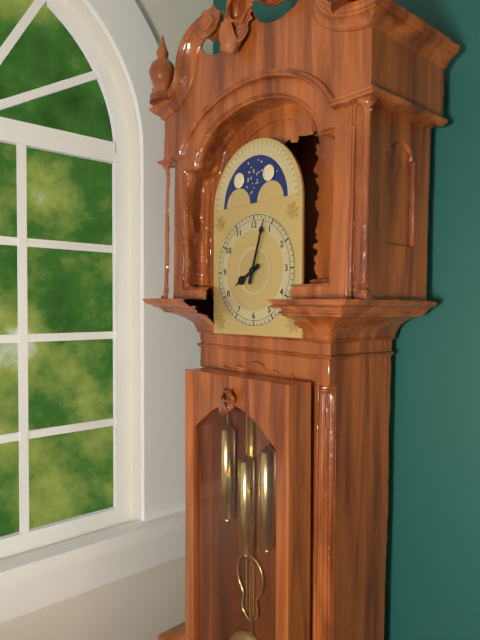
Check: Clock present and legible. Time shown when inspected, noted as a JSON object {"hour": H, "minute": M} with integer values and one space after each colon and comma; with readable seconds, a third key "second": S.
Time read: {"hour": 8, "minute": 3}
